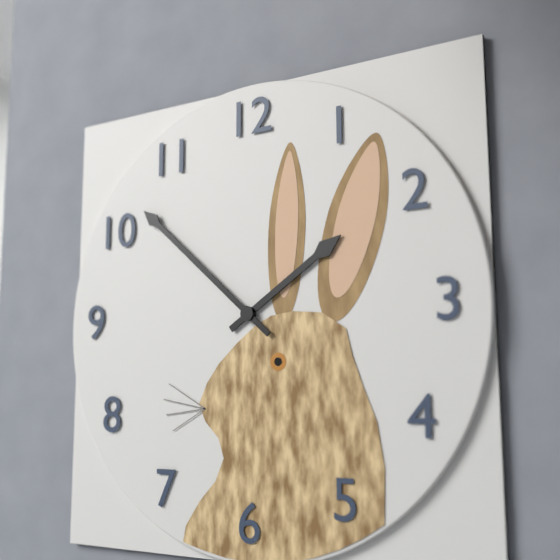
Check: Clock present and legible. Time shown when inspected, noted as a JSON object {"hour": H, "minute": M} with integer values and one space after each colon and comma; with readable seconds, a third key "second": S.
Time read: {"hour": 1, "minute": 52}
